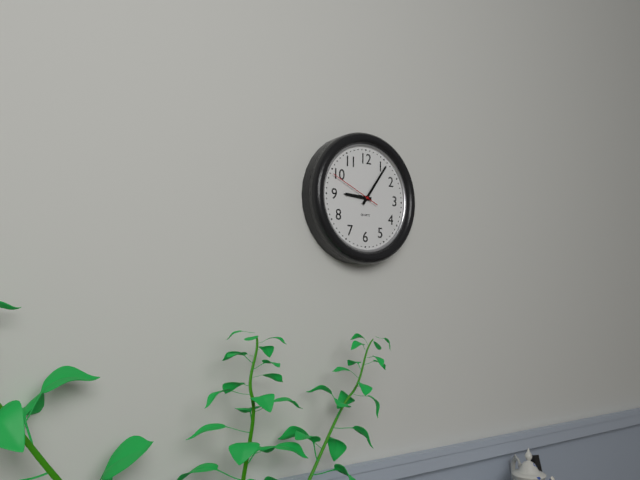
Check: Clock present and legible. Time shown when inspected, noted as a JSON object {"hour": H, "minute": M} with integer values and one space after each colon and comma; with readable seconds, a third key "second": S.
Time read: {"hour": 9, "minute": 6, "second": 49}
